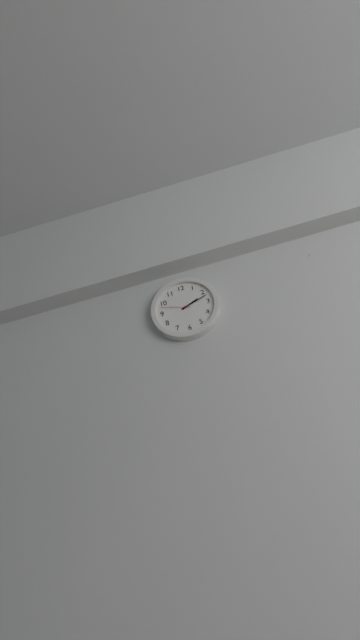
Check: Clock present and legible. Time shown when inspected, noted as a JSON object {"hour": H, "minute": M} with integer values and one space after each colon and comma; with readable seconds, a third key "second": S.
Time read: {"hour": 2, "minute": 12}
